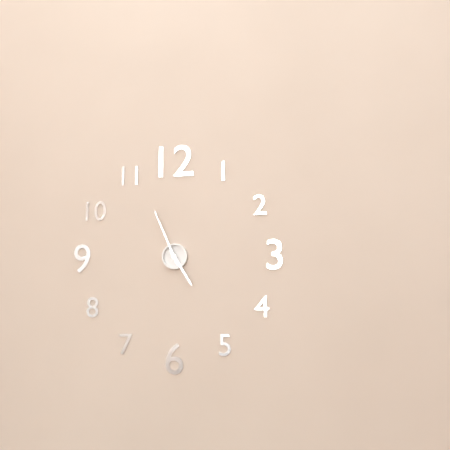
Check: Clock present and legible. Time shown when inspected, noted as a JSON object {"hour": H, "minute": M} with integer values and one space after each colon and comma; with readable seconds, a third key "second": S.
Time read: {"hour": 4, "minute": 56}
